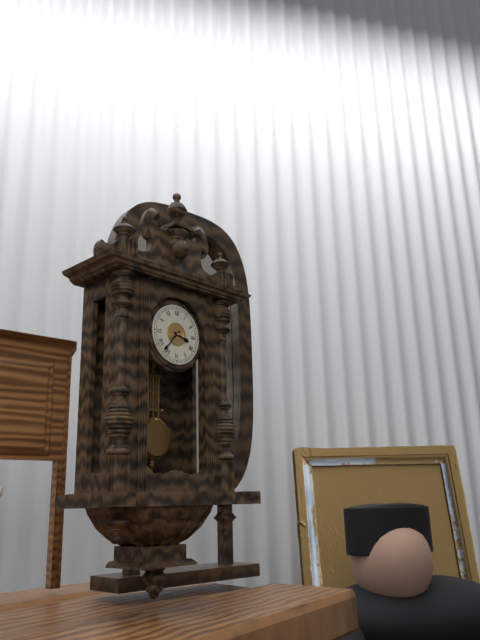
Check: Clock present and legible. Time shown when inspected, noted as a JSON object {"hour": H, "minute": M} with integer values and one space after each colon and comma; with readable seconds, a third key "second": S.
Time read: {"hour": 3, "minute": 37}
